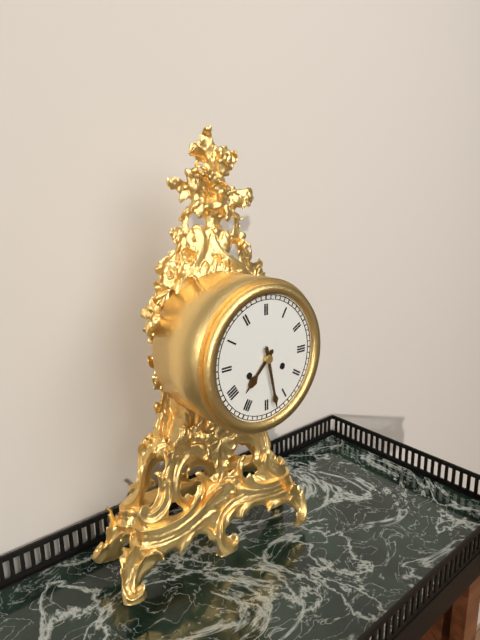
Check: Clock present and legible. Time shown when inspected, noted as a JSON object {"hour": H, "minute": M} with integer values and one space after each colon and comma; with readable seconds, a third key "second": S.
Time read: {"hour": 7, "minute": 28}
